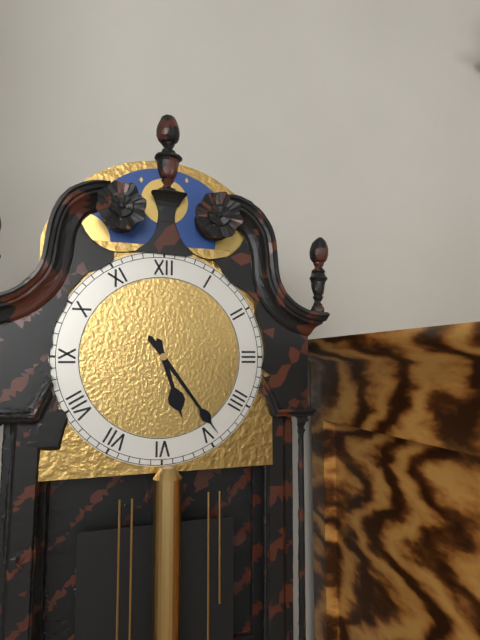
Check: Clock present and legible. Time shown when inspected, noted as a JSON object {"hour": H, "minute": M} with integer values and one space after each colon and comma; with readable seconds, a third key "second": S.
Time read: {"hour": 5, "minute": 24}
